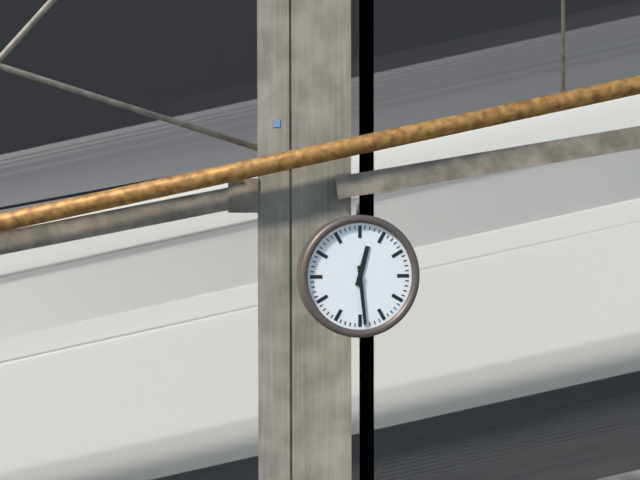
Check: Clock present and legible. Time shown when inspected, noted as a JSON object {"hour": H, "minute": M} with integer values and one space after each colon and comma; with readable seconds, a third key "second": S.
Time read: {"hour": 12, "minute": 29}
